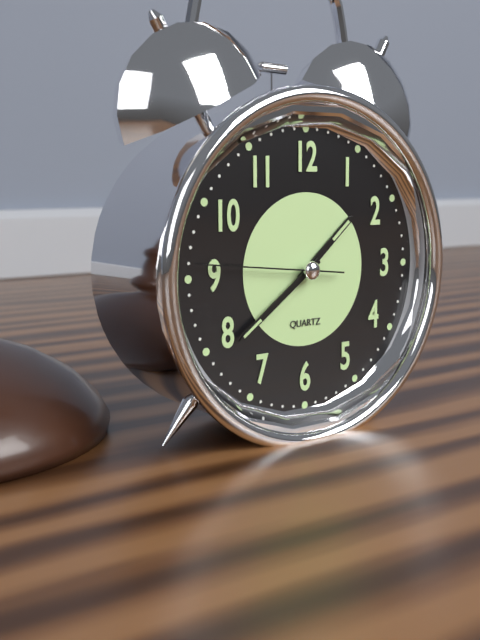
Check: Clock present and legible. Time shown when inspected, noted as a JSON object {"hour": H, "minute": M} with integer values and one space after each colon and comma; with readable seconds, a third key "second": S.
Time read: {"hour": 1, "minute": 39, "second": 46}
